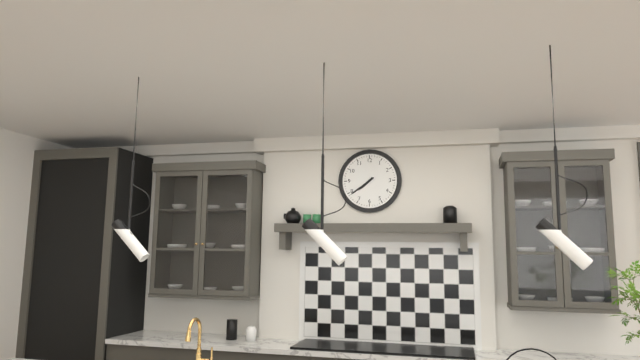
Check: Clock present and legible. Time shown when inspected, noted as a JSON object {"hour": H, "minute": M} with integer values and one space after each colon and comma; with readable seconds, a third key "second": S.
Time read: {"hour": 7, "minute": 39}
